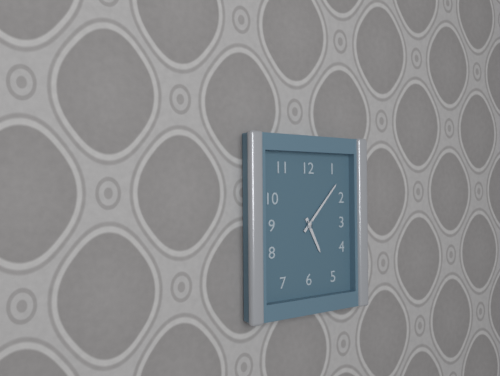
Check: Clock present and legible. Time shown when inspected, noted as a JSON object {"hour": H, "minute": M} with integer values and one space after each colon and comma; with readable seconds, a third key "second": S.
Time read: {"hour": 5, "minute": 7}
